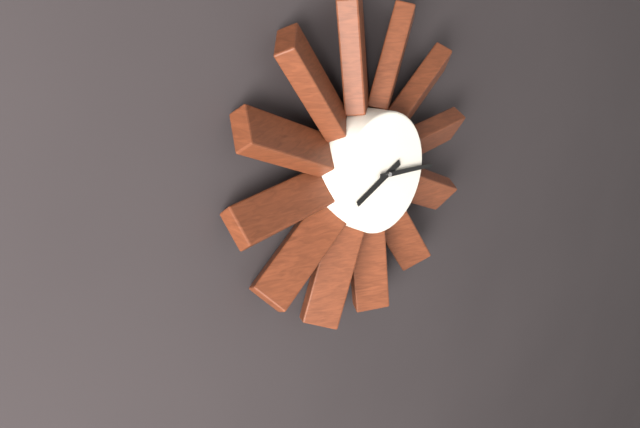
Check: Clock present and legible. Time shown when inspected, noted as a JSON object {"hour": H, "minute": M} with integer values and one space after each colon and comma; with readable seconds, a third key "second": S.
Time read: {"hour": 8, "minute": 16}
